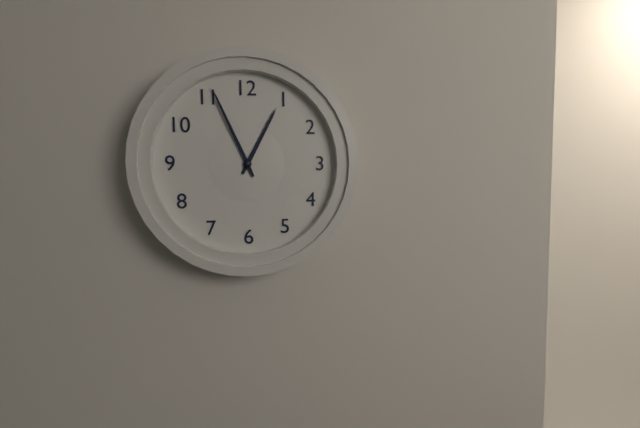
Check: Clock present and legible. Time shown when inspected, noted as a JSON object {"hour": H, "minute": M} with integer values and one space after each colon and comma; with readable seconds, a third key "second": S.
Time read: {"hour": 12, "minute": 56}
